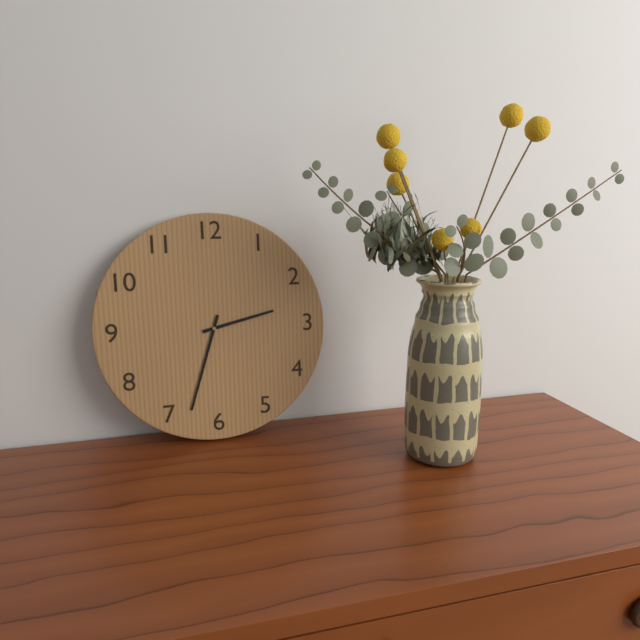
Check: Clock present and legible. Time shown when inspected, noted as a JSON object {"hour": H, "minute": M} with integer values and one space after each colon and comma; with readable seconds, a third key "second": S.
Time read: {"hour": 2, "minute": 33}
